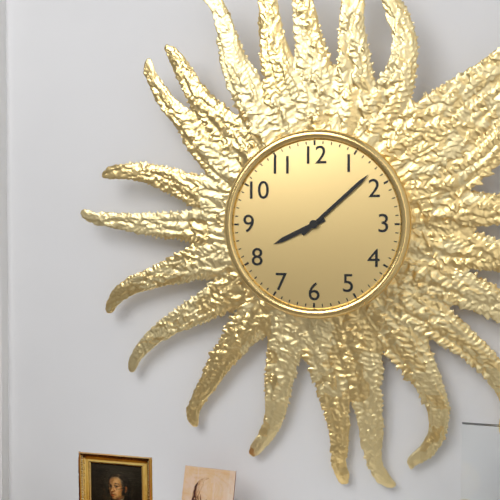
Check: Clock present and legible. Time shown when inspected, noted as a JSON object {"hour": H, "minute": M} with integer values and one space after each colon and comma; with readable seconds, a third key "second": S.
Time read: {"hour": 8, "minute": 8}
